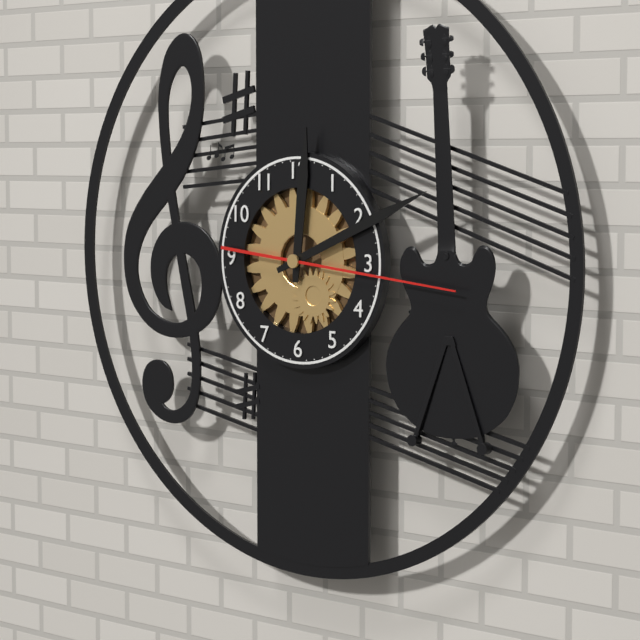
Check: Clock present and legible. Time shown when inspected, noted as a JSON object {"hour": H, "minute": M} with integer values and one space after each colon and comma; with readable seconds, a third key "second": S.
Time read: {"hour": 12, "minute": 11, "second": 16}
